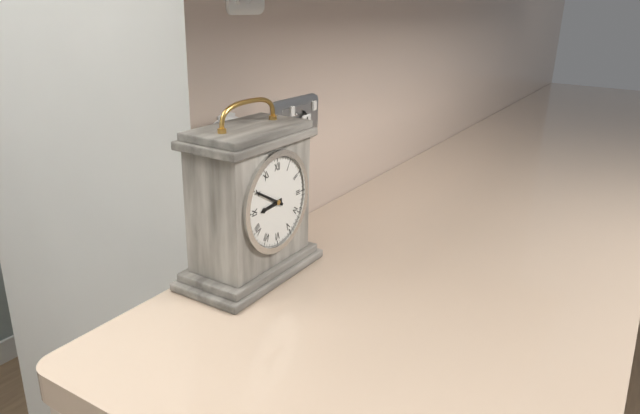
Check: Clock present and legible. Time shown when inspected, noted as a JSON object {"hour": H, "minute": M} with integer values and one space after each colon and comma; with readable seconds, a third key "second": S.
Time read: {"hour": 8, "minute": 50}
